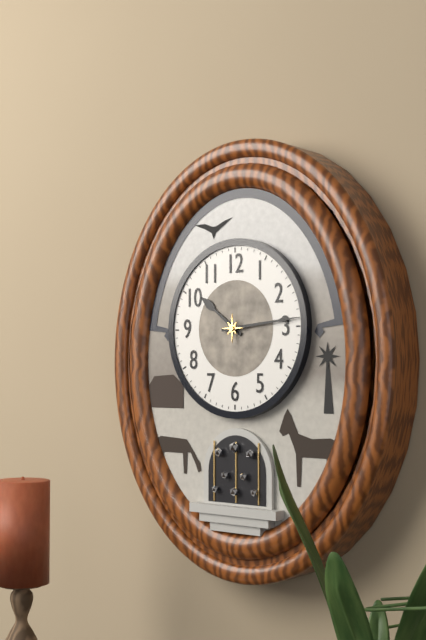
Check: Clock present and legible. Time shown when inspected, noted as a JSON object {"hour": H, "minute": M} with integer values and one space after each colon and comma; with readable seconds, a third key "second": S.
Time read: {"hour": 10, "minute": 14}
